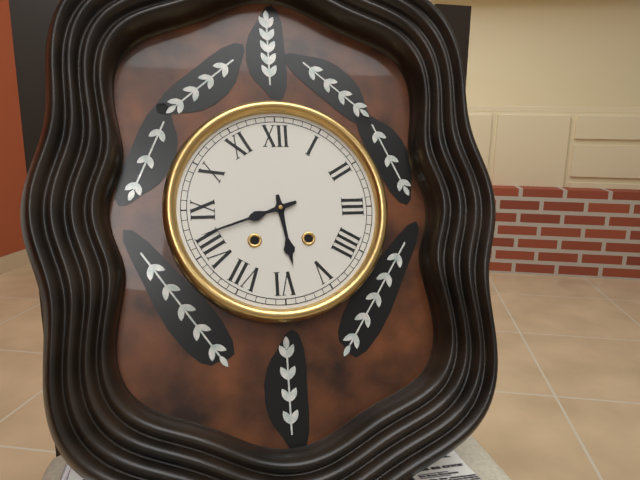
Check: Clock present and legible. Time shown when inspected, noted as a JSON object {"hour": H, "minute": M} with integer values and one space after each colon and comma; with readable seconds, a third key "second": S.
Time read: {"hour": 5, "minute": 42}
